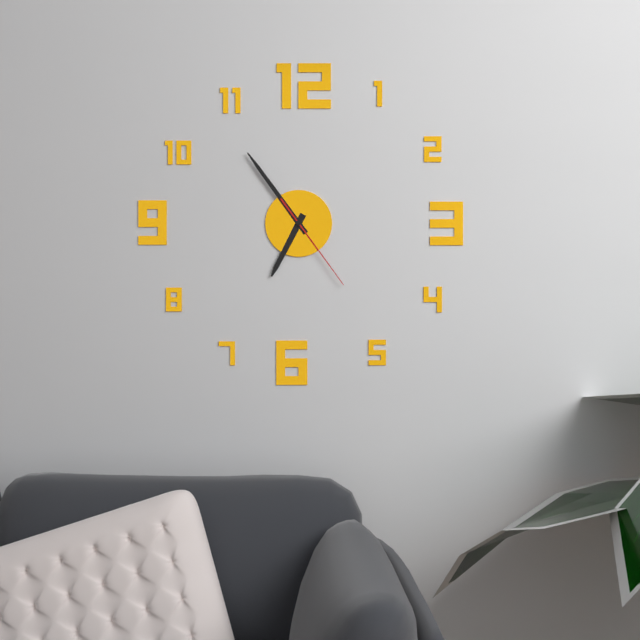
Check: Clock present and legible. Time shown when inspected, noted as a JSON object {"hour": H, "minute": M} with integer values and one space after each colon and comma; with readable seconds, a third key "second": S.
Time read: {"hour": 6, "minute": 54, "second": 24}
